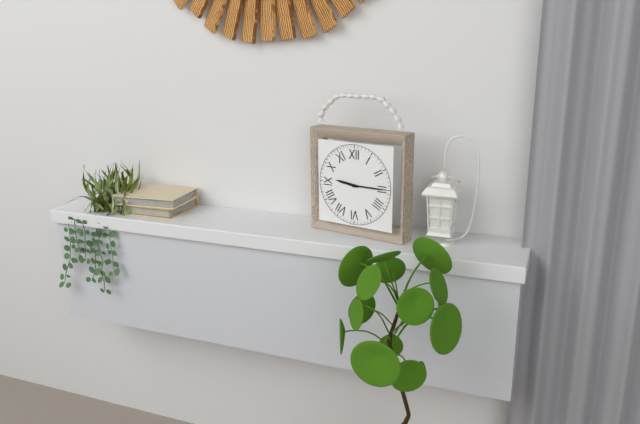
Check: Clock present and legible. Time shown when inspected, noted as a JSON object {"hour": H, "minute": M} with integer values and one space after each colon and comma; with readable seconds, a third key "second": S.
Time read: {"hour": 9, "minute": 15}
